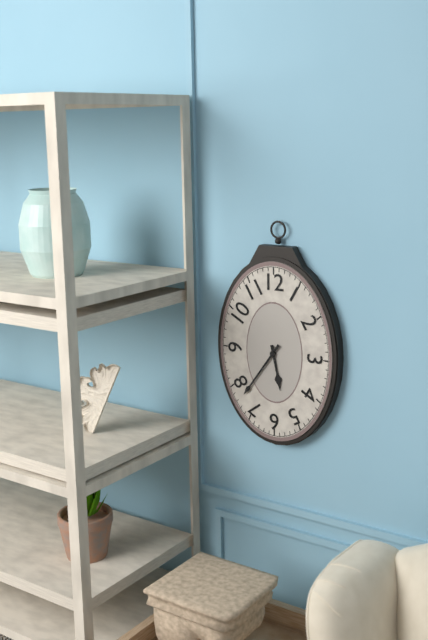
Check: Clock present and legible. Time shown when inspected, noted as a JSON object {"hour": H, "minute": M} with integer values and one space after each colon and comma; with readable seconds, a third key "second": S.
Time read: {"hour": 5, "minute": 36}
